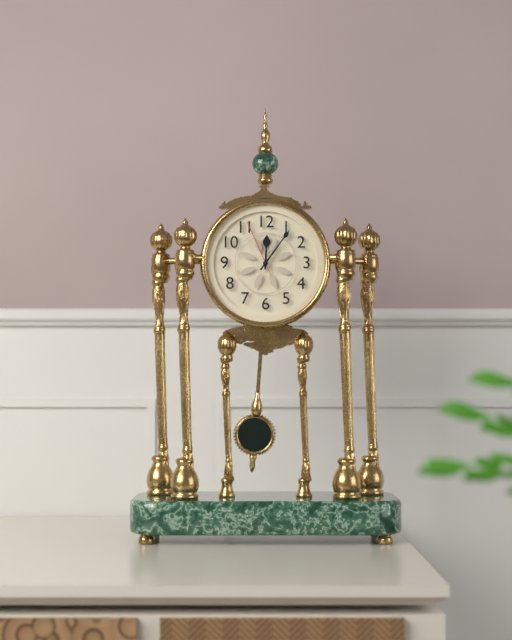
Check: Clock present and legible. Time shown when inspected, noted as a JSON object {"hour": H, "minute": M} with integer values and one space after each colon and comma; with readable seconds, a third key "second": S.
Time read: {"hour": 12, "minute": 6, "second": 56}
